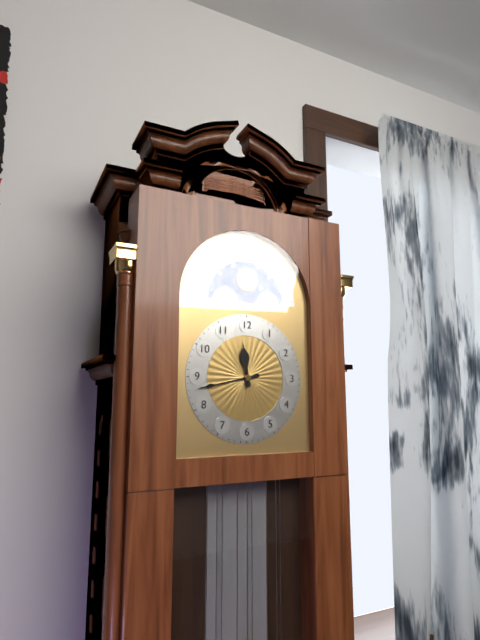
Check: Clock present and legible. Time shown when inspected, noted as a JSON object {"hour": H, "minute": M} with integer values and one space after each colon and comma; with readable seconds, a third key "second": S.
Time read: {"hour": 11, "minute": 43}
